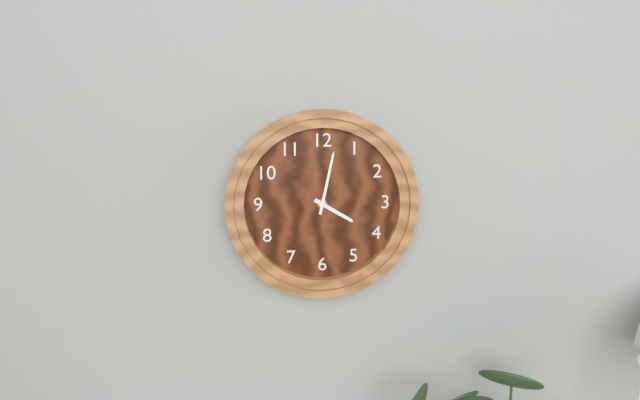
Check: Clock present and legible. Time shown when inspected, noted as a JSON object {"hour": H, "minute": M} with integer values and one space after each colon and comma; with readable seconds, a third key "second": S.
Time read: {"hour": 4, "minute": 2}
